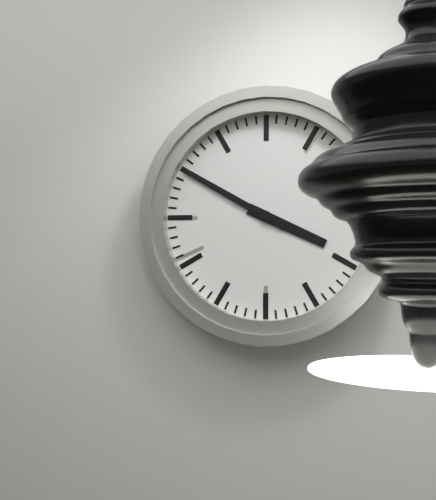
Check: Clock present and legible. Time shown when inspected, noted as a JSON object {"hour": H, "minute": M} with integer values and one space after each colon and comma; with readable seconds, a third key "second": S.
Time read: {"hour": 3, "minute": 50}
